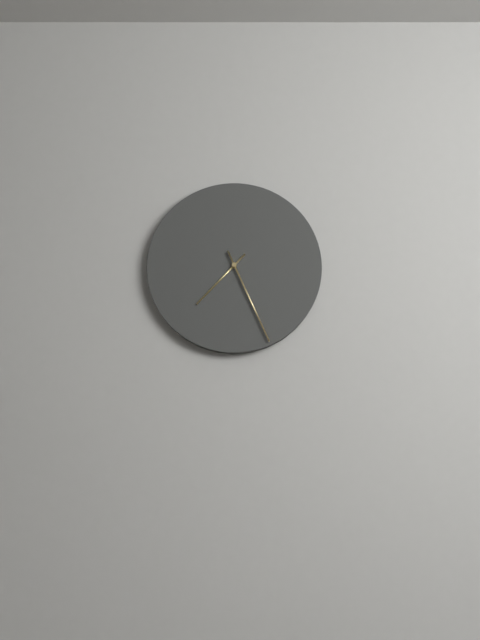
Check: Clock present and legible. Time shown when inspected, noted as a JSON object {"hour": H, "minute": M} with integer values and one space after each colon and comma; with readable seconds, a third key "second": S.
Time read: {"hour": 7, "minute": 26}
